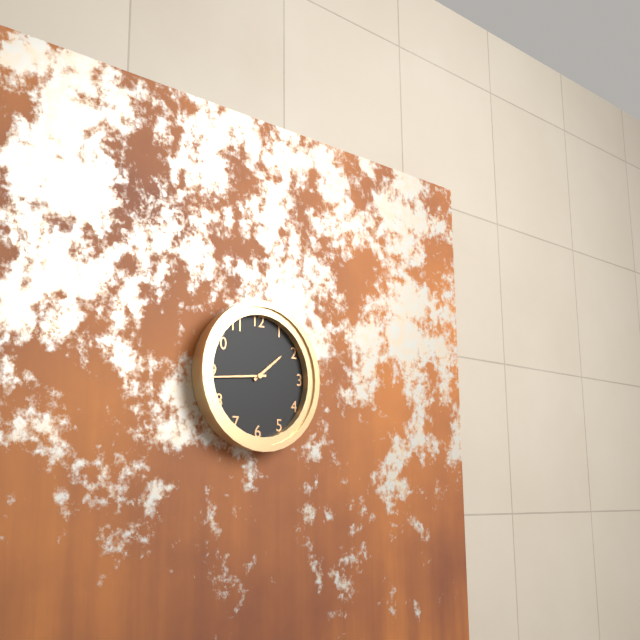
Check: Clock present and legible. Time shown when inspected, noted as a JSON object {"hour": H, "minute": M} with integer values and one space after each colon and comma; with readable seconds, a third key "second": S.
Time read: {"hour": 1, "minute": 44}
